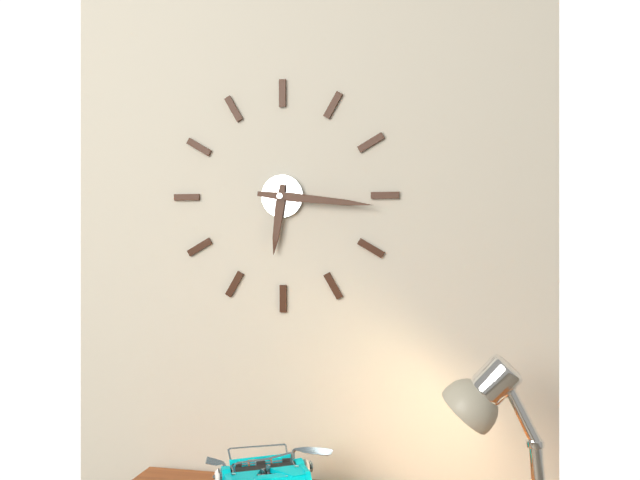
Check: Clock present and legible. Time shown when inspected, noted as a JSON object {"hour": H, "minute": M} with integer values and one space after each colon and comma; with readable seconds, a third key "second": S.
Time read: {"hour": 6, "minute": 16}
